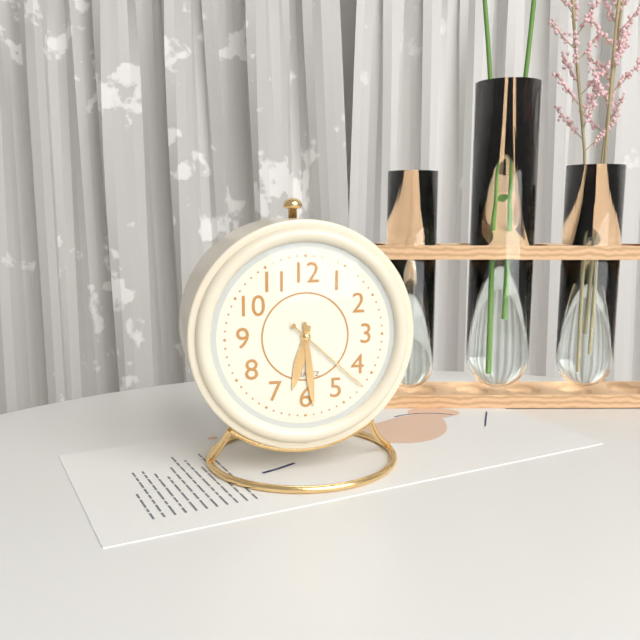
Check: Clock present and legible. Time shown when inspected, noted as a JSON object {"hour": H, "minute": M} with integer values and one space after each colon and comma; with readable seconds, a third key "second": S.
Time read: {"hour": 6, "minute": 29, "second": 22}
